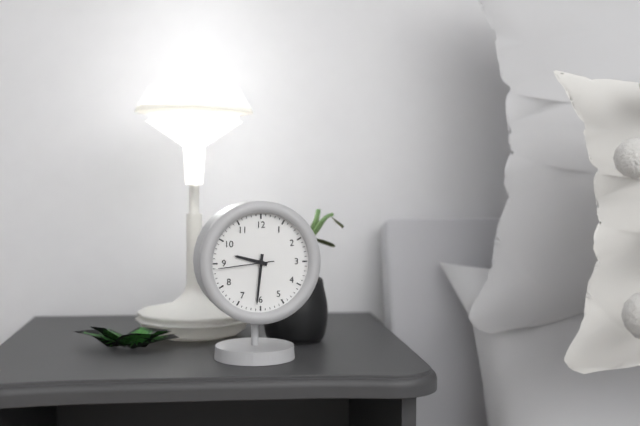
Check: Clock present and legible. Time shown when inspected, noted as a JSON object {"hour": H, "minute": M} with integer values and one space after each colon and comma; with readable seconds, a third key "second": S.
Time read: {"hour": 9, "minute": 31, "second": 44}
